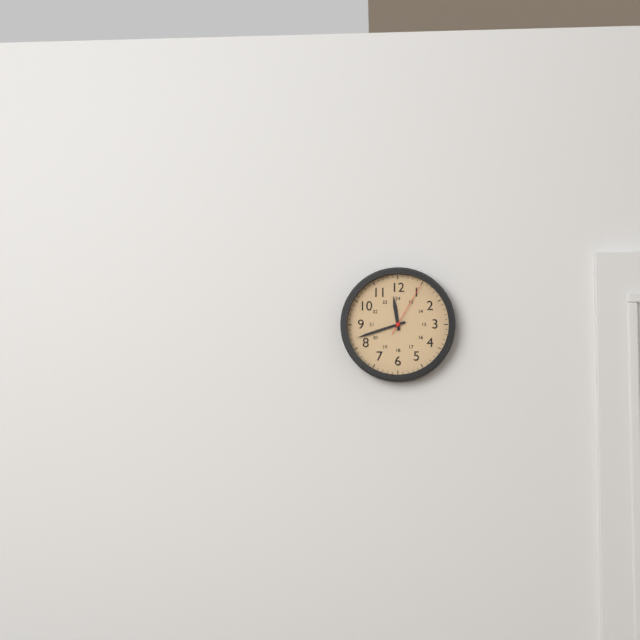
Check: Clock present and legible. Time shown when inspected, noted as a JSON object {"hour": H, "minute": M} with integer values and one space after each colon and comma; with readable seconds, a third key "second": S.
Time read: {"hour": 11, "minute": 42, "second": 5}
